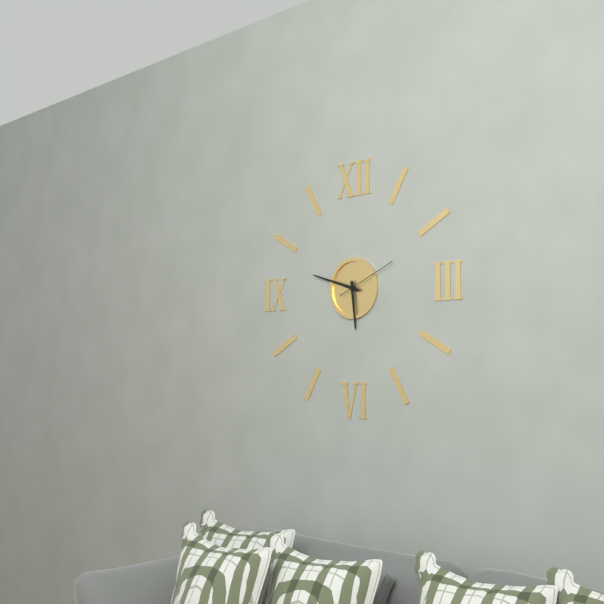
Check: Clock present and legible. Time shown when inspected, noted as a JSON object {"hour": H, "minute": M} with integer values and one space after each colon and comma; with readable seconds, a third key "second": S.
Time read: {"hour": 5, "minute": 48, "second": 11}
